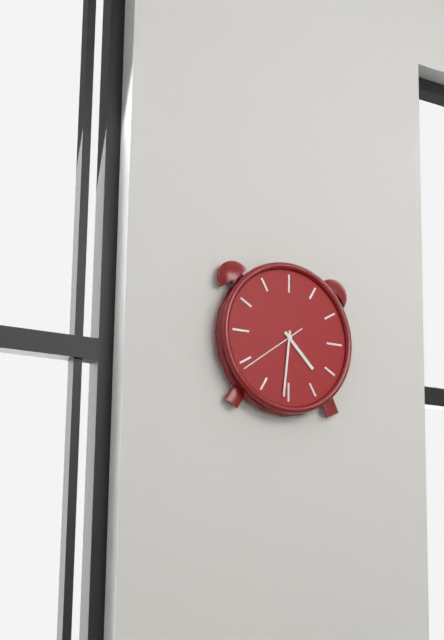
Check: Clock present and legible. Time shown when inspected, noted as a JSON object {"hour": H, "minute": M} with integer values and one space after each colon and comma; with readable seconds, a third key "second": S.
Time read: {"hour": 4, "minute": 31, "second": 39}
